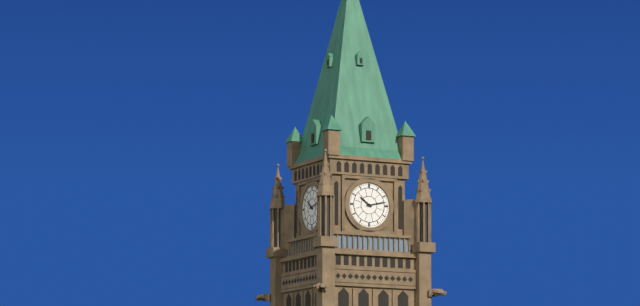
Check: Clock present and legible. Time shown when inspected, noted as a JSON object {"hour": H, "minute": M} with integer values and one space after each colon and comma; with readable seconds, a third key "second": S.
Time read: {"hour": 10, "minute": 13}
